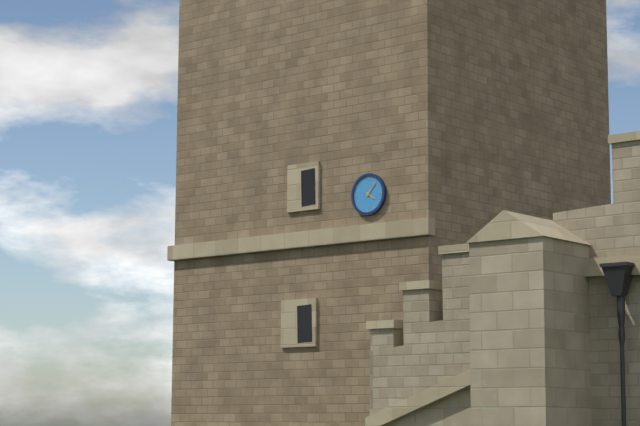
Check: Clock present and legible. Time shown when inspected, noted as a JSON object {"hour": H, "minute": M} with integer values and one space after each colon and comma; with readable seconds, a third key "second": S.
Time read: {"hour": 4, "minute": 7}
